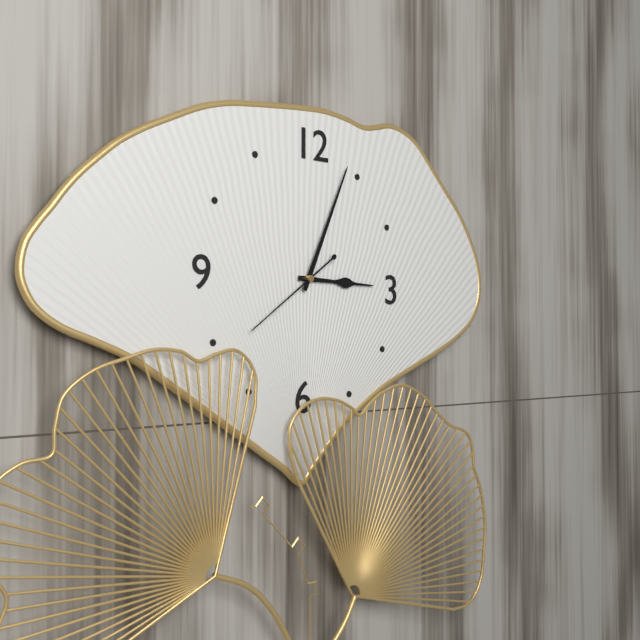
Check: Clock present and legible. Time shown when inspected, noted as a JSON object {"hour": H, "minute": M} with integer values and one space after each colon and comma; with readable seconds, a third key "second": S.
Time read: {"hour": 3, "minute": 4, "second": 39}
